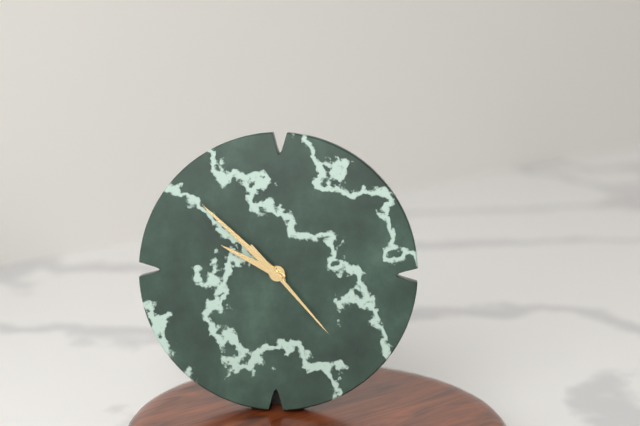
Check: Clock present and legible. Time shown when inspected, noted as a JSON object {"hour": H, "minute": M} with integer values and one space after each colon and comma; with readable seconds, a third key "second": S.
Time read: {"hour": 9, "minute": 52, "second": 23}
